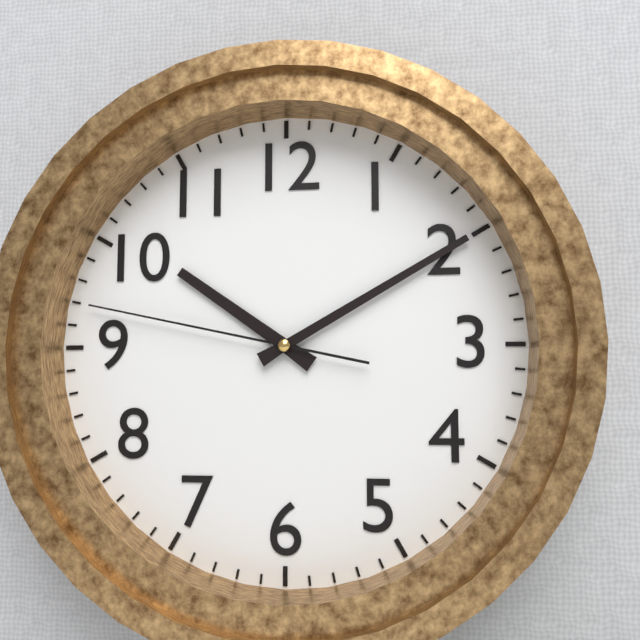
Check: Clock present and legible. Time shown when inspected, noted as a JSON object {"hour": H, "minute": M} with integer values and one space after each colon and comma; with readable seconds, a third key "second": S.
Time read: {"hour": 10, "minute": 10, "second": 47}
